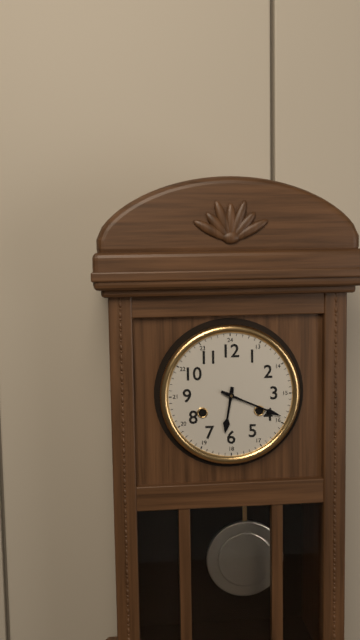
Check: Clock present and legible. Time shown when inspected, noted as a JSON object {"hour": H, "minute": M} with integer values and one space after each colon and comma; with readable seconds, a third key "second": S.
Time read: {"hour": 6, "minute": 19}
